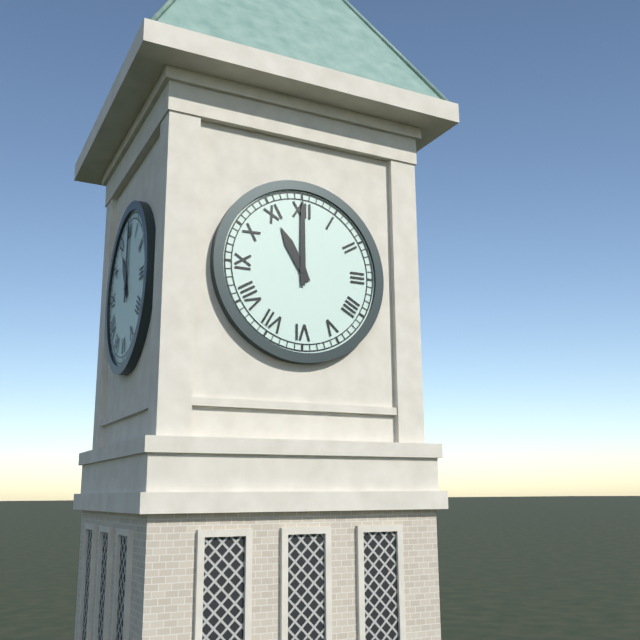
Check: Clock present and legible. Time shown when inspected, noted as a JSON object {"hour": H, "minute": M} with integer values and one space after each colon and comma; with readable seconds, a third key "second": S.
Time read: {"hour": 11, "minute": 0}
